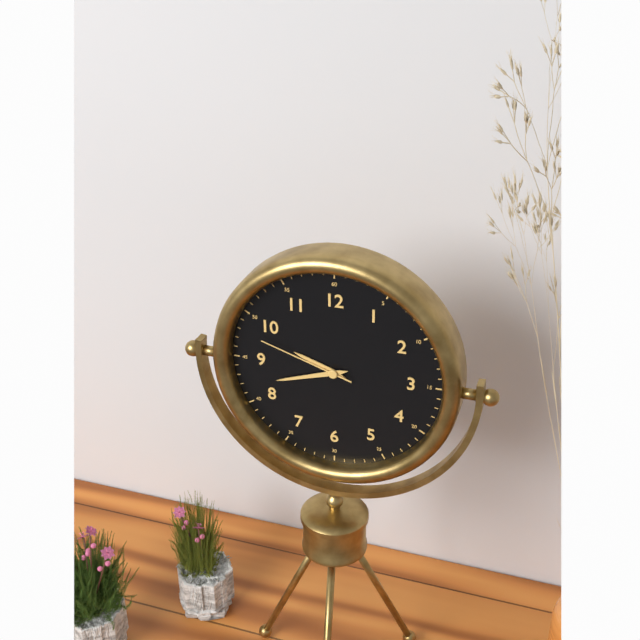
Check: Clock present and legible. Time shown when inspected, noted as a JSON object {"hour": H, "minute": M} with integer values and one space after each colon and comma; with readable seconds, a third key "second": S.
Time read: {"hour": 9, "minute": 42, "second": 48}
